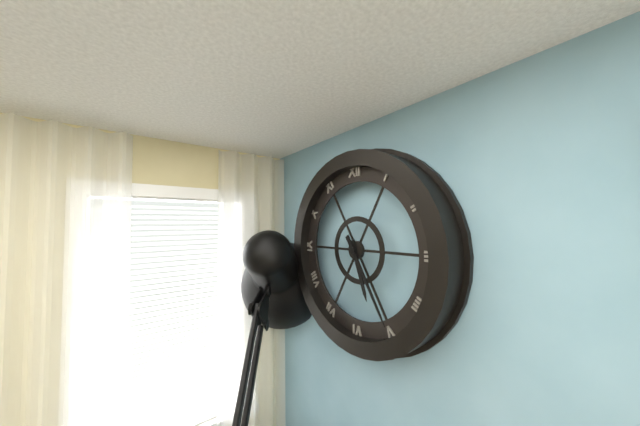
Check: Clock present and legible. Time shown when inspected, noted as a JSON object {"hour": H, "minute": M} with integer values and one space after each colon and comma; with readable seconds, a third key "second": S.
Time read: {"hour": 5, "minute": 25}
